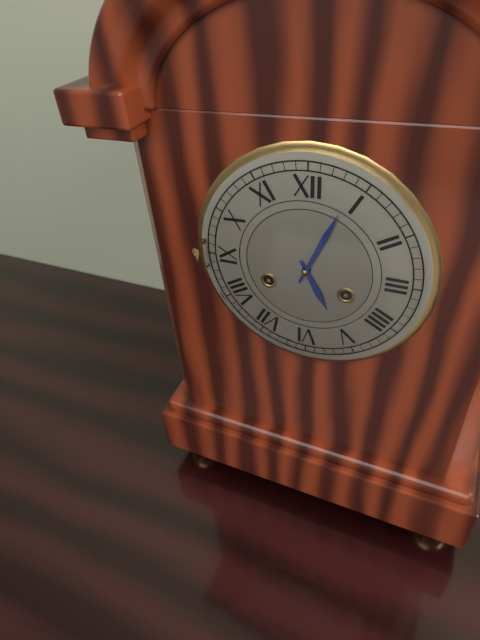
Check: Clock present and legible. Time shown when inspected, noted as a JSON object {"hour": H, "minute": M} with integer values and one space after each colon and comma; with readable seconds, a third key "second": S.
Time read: {"hour": 5, "minute": 4}
